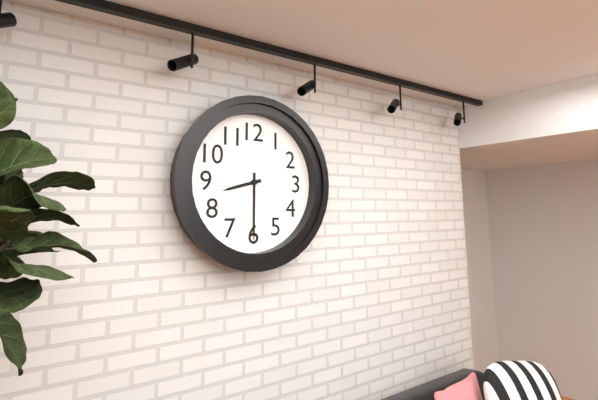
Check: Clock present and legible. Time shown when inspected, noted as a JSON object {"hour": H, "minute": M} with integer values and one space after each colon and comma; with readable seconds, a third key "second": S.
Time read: {"hour": 8, "minute": 30}
